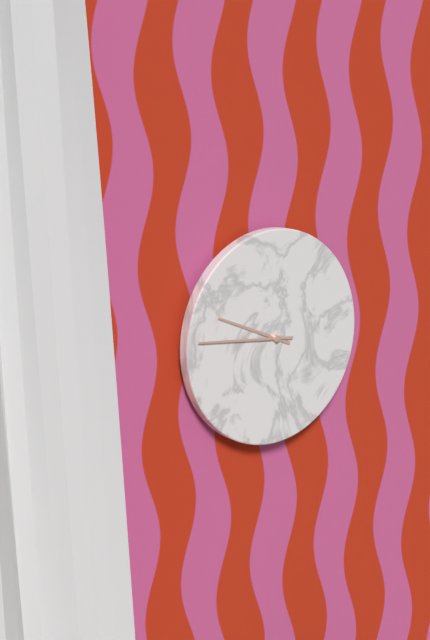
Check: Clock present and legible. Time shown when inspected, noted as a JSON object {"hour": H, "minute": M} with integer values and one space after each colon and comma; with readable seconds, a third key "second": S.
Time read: {"hour": 9, "minute": 46}
